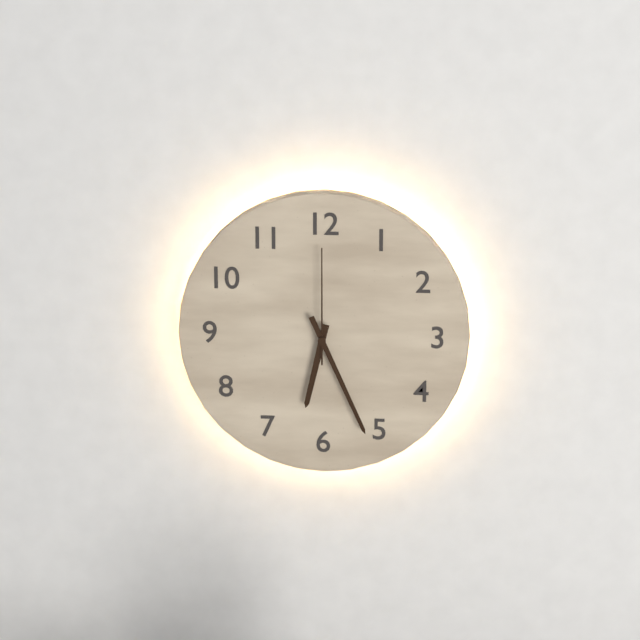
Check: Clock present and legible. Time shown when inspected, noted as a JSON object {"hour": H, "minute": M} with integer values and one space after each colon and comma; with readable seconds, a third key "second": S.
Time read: {"hour": 6, "minute": 26, "second": 0}
